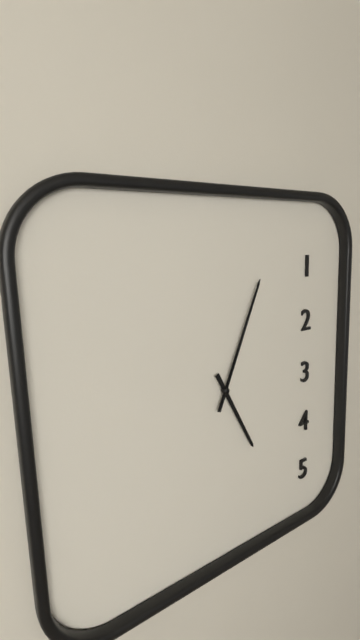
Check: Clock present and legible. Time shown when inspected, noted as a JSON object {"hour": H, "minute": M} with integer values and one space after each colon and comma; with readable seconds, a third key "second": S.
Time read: {"hour": 5, "minute": 4, "second": 4}
